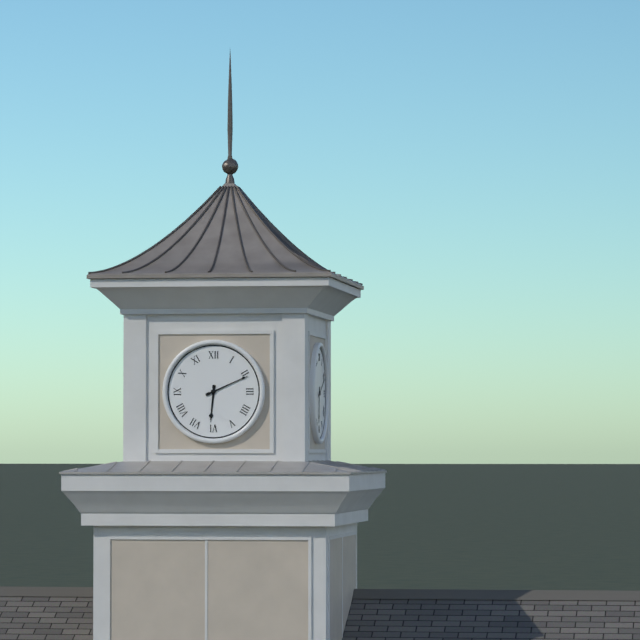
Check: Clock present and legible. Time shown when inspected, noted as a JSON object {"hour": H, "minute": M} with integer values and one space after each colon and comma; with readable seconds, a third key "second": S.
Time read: {"hour": 6, "minute": 11}
